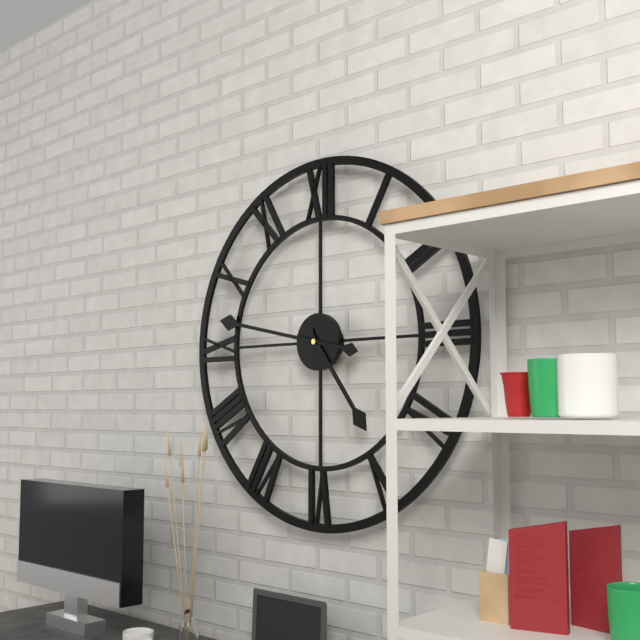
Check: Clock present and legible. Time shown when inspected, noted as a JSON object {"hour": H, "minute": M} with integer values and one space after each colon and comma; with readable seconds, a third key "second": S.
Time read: {"hour": 4, "minute": 47}
